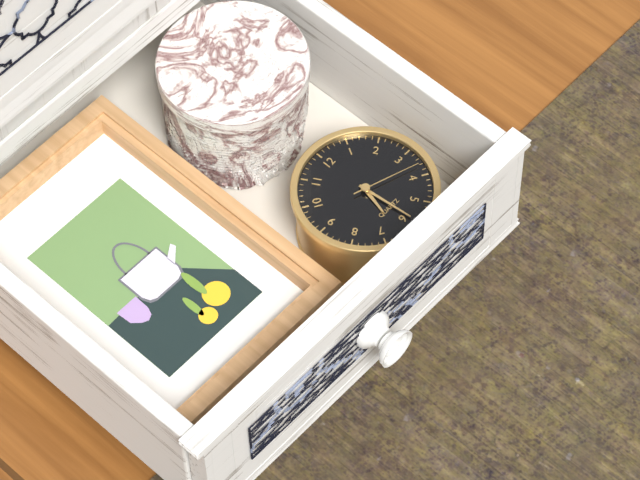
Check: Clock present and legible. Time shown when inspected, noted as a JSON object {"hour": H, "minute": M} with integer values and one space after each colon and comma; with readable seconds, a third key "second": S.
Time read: {"hour": 6, "minute": 29, "second": 18}
